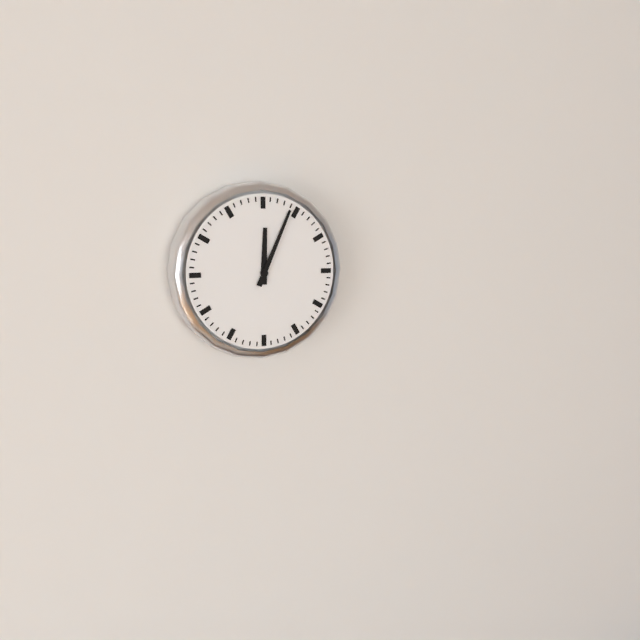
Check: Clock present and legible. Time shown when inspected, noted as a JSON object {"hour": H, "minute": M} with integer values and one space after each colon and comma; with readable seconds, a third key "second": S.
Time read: {"hour": 12, "minute": 4}
